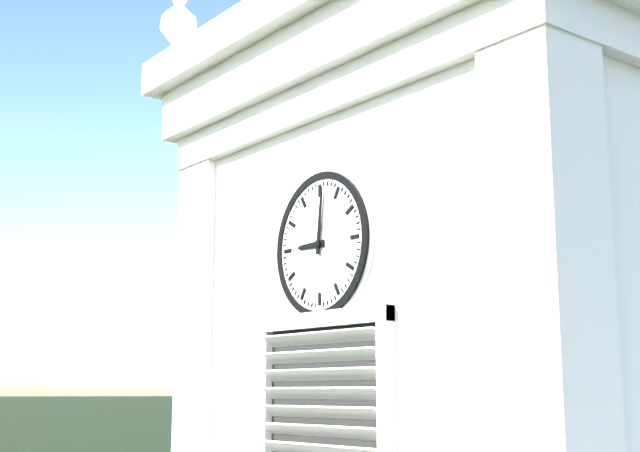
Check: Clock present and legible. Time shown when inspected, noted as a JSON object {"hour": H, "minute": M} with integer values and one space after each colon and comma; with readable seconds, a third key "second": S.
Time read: {"hour": 9, "minute": 1}
